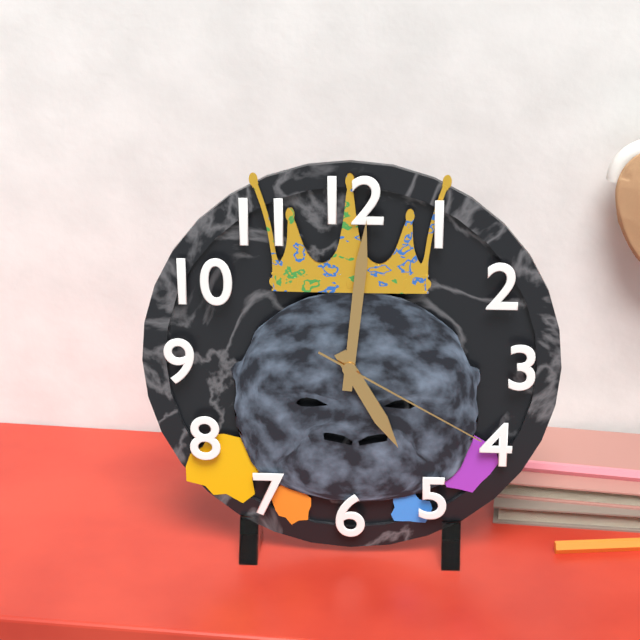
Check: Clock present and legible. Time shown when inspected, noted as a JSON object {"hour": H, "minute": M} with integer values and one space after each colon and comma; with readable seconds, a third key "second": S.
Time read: {"hour": 5, "minute": 1, "second": 20}
